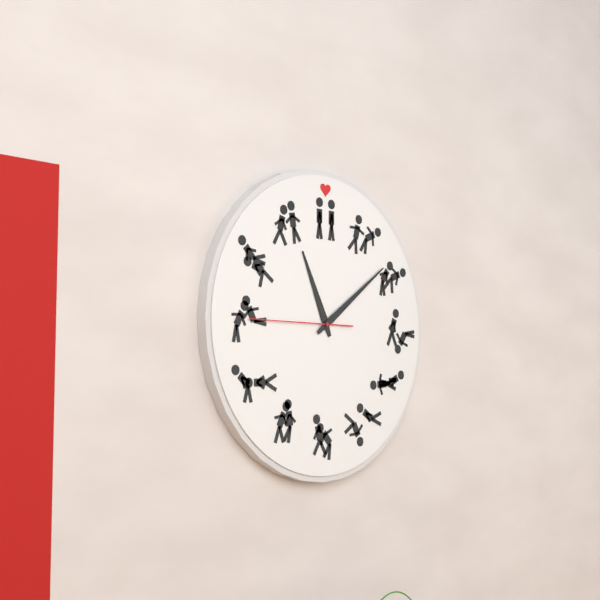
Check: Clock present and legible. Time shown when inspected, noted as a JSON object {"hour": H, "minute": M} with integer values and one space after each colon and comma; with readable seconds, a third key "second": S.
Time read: {"hour": 11, "minute": 9, "second": 45}
